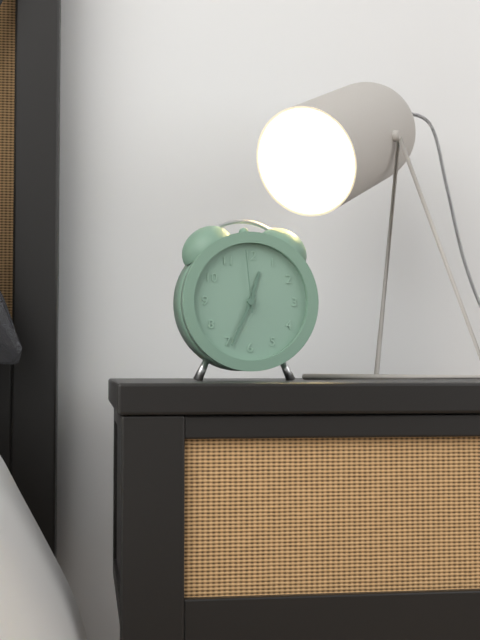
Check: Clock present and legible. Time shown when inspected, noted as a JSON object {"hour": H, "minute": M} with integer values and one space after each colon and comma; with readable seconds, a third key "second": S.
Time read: {"hour": 12, "minute": 34, "second": 59}
